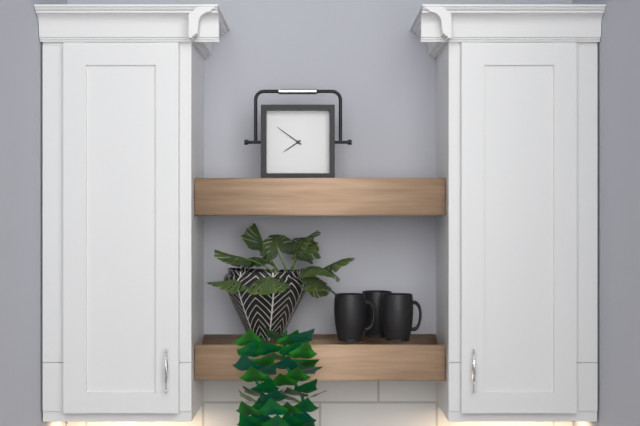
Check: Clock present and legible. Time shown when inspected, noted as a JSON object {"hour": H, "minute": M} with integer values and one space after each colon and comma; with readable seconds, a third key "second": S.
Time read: {"hour": 7, "minute": 51}
